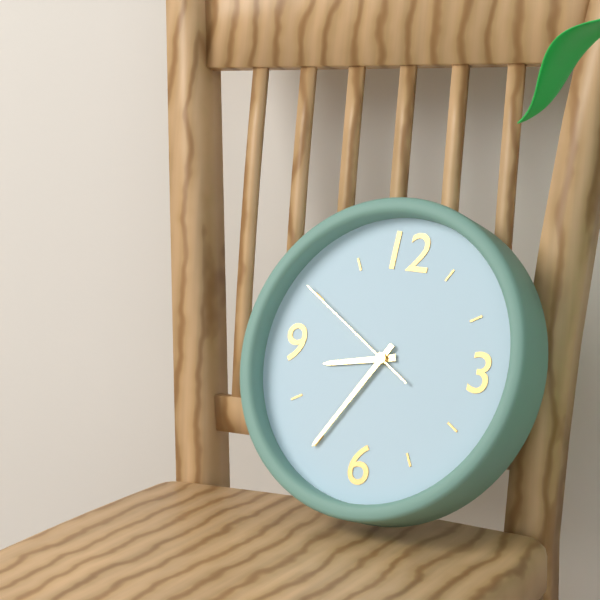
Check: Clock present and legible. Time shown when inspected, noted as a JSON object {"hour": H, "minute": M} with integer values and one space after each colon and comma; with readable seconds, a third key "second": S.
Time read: {"hour": 8, "minute": 35, "second": 50}
